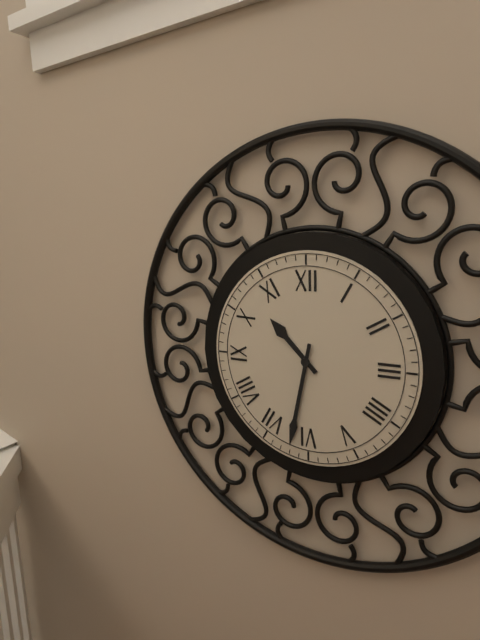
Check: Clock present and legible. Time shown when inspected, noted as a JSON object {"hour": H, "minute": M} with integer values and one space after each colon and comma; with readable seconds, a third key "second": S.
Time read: {"hour": 10, "minute": 32}
